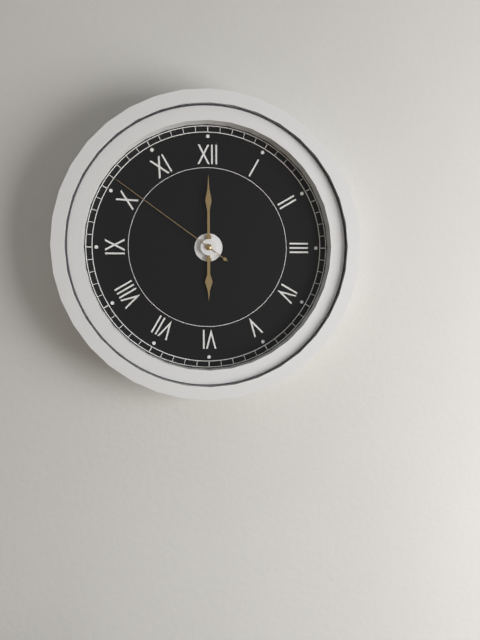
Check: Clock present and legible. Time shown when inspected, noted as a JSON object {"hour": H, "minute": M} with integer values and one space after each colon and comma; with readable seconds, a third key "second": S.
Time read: {"hour": 6, "minute": 0, "second": 51}
